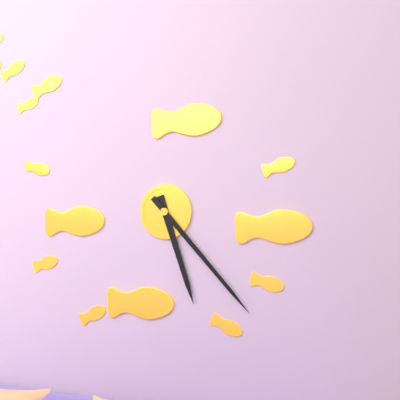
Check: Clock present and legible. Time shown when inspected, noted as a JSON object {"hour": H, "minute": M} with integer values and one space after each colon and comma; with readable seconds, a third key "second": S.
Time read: {"hour": 5, "minute": 23}
